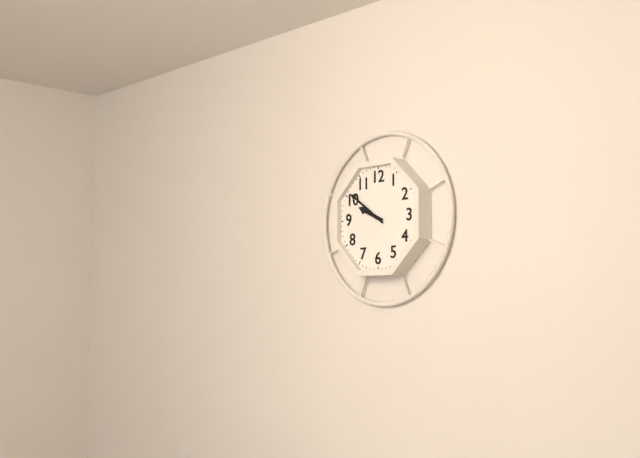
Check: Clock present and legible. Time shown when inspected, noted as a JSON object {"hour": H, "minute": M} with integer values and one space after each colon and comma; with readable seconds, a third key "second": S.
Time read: {"hour": 9, "minute": 51}
